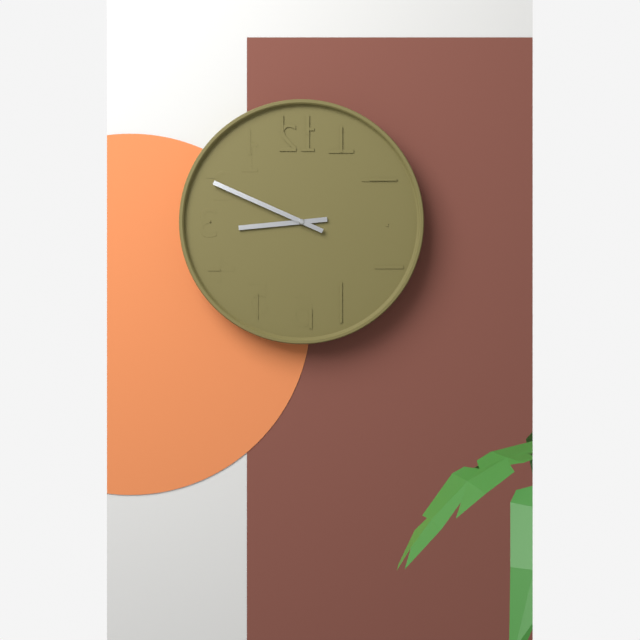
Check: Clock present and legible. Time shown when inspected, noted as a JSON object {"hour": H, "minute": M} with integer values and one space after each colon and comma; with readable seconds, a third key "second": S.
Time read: {"hour": 8, "minute": 49}
